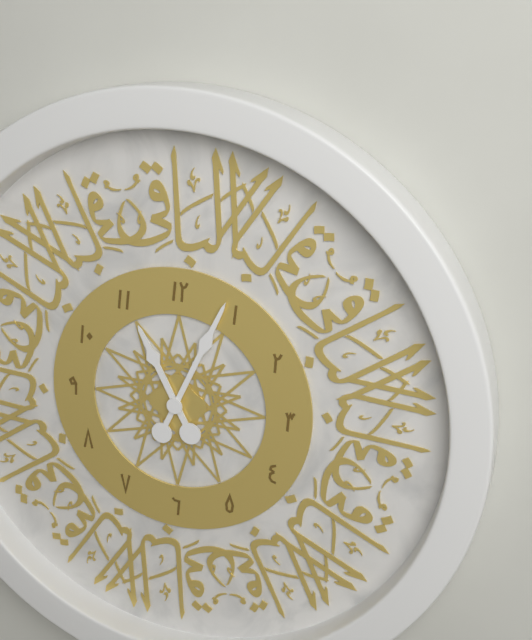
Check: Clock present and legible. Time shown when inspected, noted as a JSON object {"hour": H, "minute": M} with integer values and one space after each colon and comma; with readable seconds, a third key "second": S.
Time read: {"hour": 11, "minute": 4}
